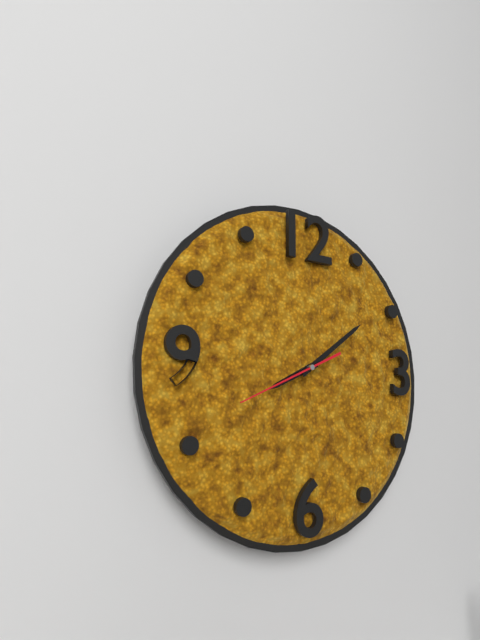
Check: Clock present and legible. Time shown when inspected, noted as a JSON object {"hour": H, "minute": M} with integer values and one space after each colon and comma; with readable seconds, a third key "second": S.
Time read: {"hour": 8, "minute": 9, "second": 41}
